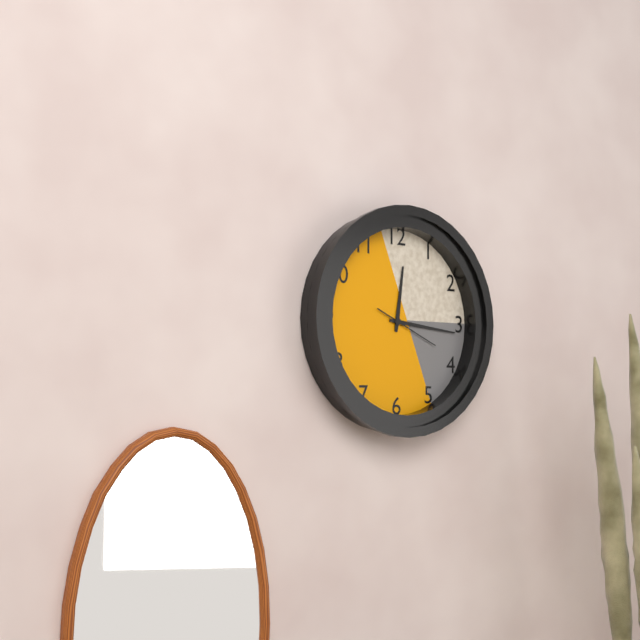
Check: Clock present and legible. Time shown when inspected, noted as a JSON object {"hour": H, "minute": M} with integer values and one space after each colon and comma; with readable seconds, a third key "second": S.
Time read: {"hour": 12, "minute": 16, "second": 19}
